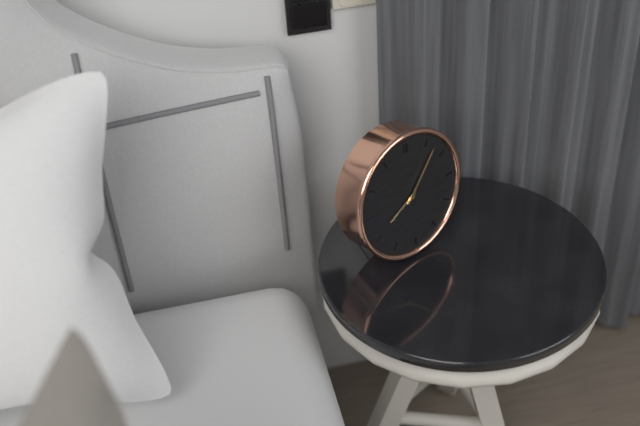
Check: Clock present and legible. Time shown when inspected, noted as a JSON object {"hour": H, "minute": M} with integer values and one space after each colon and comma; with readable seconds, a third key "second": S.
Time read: {"hour": 8, "minute": 7}
